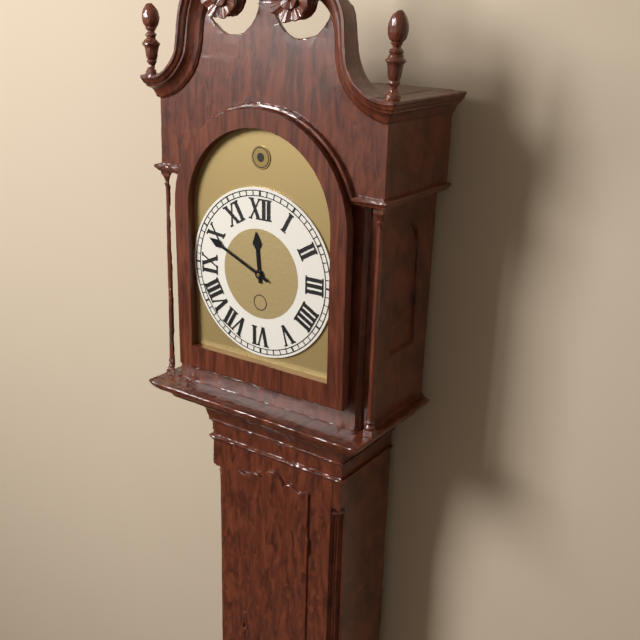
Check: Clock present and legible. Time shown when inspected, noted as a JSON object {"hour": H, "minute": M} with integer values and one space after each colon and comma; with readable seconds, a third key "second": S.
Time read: {"hour": 11, "minute": 49}
